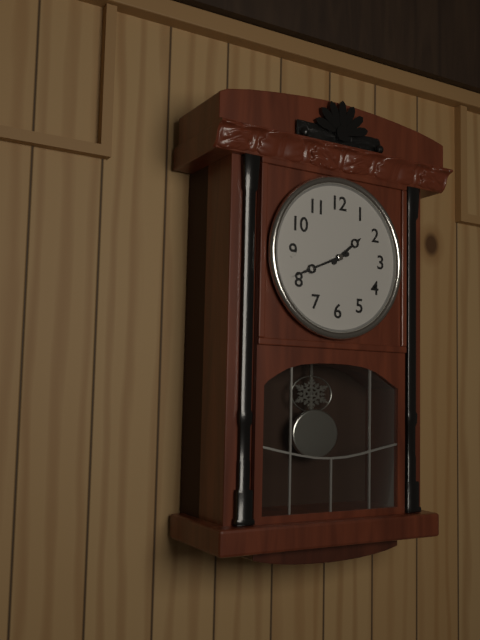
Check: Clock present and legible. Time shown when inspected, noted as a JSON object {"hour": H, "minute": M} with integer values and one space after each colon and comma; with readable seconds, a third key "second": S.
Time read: {"hour": 1, "minute": 41}
